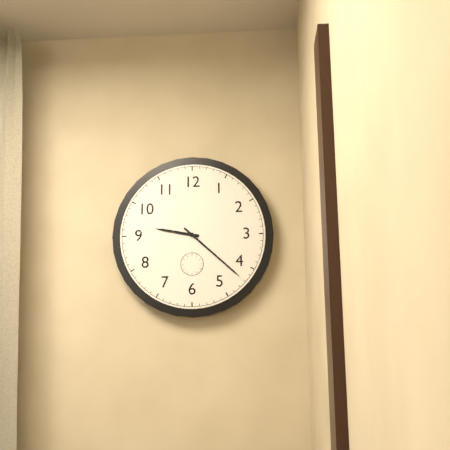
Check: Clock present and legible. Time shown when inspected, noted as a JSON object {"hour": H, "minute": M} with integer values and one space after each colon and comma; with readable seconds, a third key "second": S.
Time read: {"hour": 9, "minute": 22}
